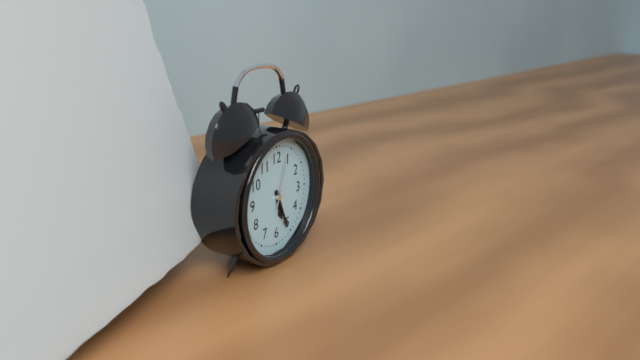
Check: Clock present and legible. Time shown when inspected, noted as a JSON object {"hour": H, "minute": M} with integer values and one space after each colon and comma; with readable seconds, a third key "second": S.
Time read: {"hour": 5, "minute": 26, "second": 3}
